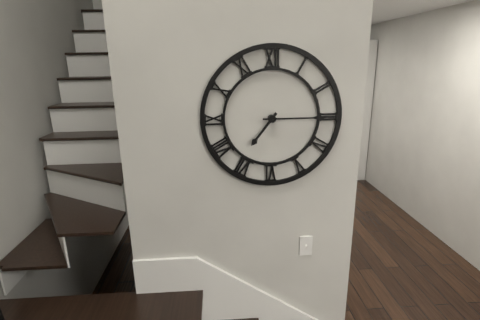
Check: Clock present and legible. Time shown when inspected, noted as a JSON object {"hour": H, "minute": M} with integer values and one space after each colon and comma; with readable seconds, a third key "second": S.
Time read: {"hour": 7, "minute": 15}
